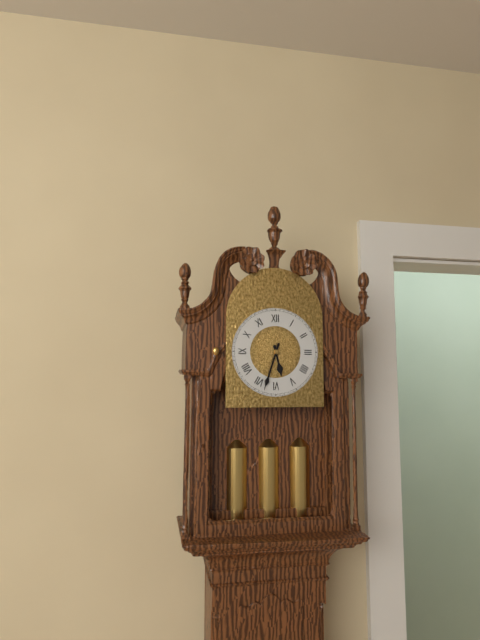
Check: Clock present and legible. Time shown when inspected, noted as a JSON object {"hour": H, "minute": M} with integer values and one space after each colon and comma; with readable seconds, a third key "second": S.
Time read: {"hour": 5, "minute": 33}
